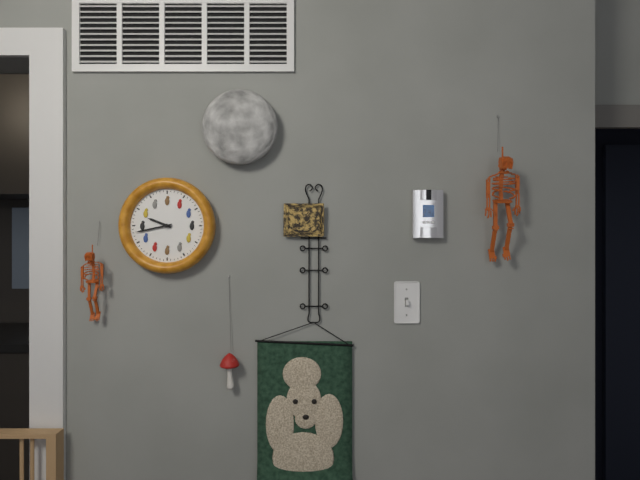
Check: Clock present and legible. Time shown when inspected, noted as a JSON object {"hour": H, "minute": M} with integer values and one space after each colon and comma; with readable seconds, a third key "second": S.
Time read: {"hour": 9, "minute": 43}
